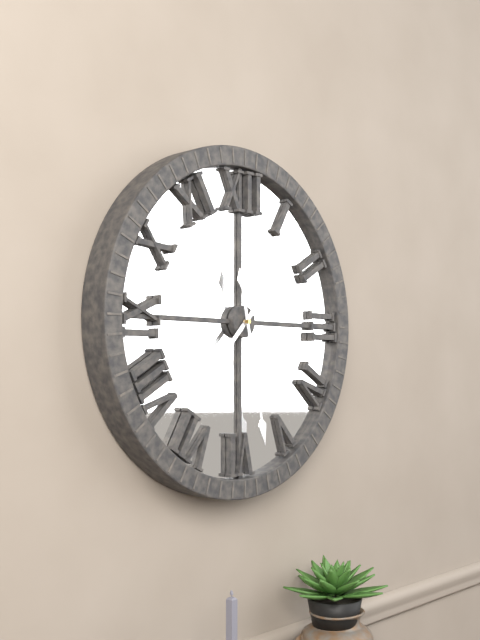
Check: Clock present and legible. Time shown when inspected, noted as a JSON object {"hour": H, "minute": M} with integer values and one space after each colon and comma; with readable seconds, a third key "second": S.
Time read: {"hour": 7, "minute": 28}
